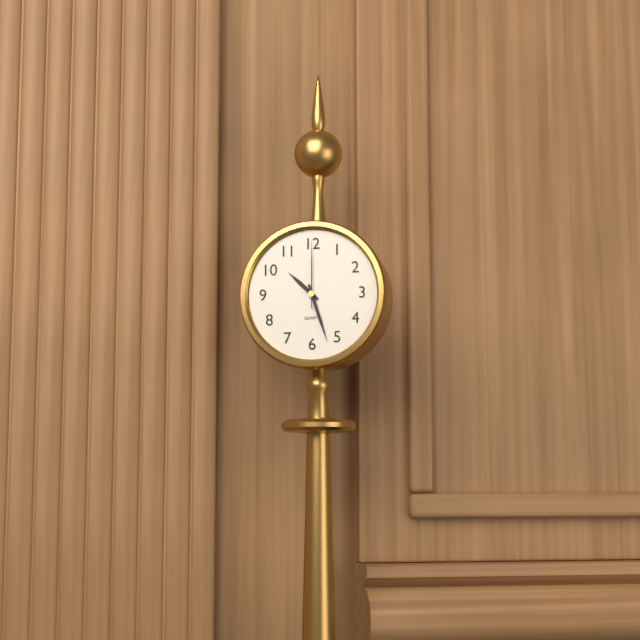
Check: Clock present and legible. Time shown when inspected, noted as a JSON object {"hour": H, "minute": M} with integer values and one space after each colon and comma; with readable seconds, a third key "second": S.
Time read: {"hour": 10, "minute": 27, "second": 0}
